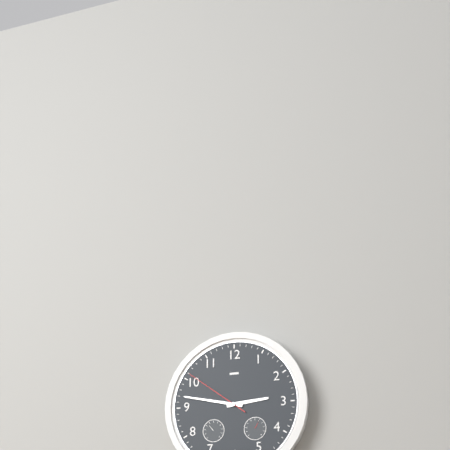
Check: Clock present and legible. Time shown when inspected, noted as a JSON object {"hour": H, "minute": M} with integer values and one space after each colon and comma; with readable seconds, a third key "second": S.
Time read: {"hour": 2, "minute": 47, "second": 51}
